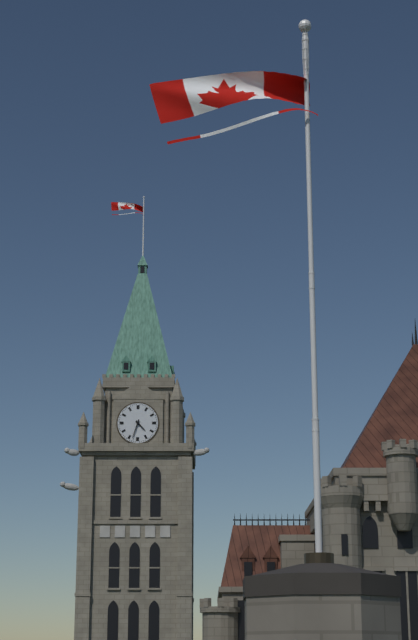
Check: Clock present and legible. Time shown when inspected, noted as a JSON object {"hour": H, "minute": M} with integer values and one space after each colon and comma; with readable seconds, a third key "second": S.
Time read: {"hour": 4, "minute": 33}
